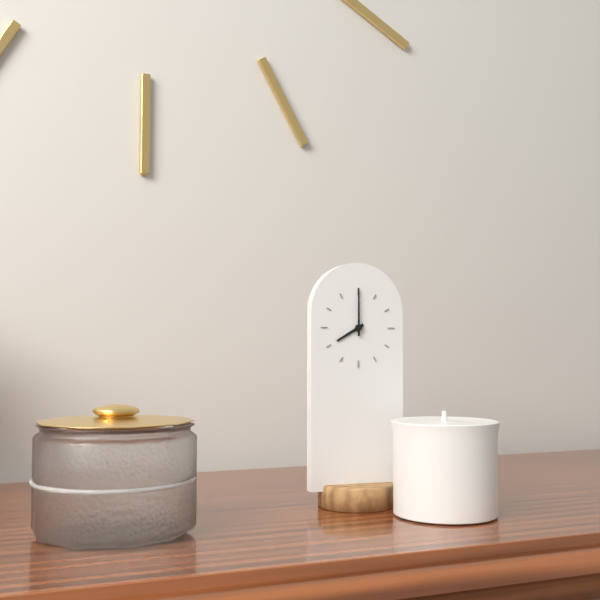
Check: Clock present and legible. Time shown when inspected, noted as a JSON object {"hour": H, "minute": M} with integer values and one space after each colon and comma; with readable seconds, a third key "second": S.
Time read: {"hour": 8, "minute": 0}
